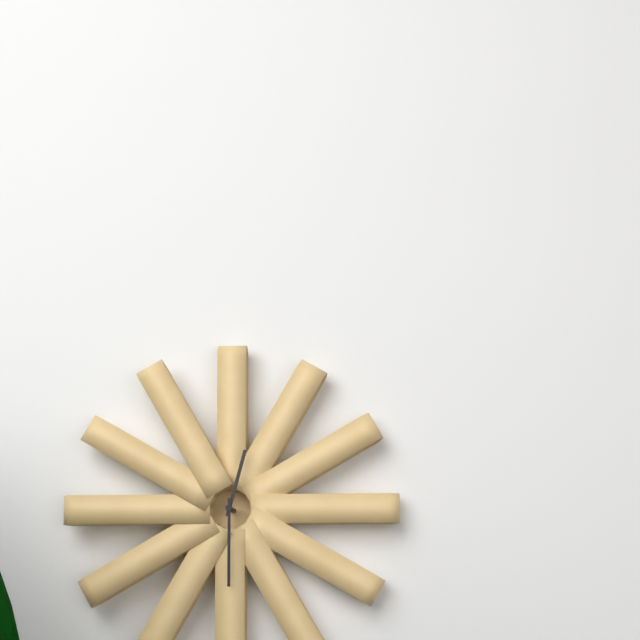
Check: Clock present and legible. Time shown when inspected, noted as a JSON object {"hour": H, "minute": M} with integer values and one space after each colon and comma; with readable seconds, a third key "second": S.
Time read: {"hour": 12, "minute": 30}
